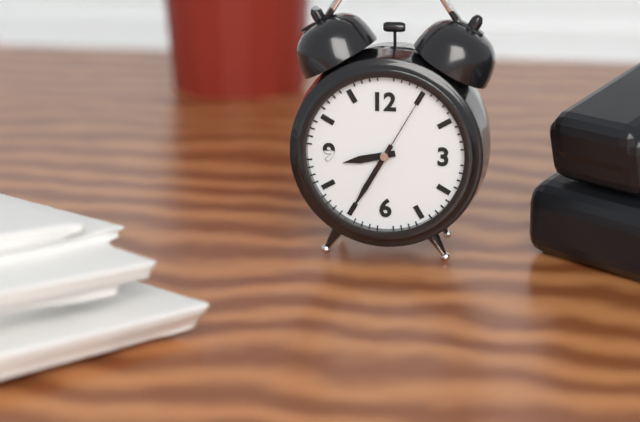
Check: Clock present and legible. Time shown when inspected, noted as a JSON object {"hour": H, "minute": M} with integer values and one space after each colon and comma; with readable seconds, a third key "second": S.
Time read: {"hour": 8, "minute": 35, "second": 5}
